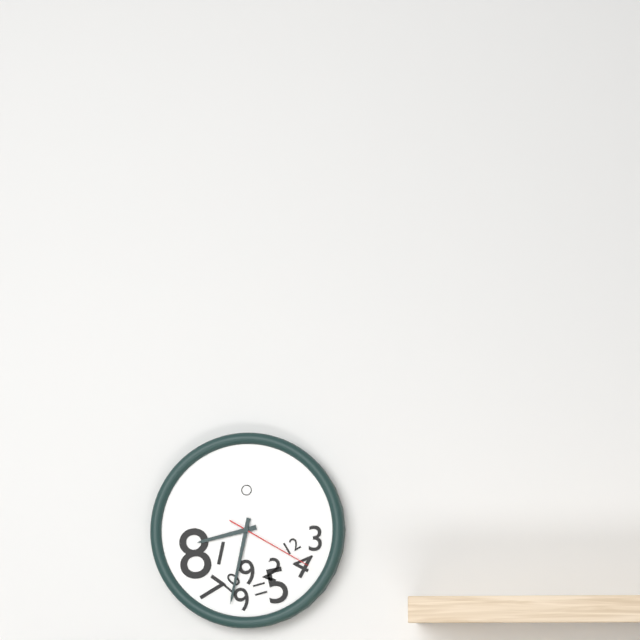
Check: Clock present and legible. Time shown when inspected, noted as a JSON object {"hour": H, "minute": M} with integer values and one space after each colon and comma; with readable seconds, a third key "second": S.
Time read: {"hour": 8, "minute": 32, "second": 20}
